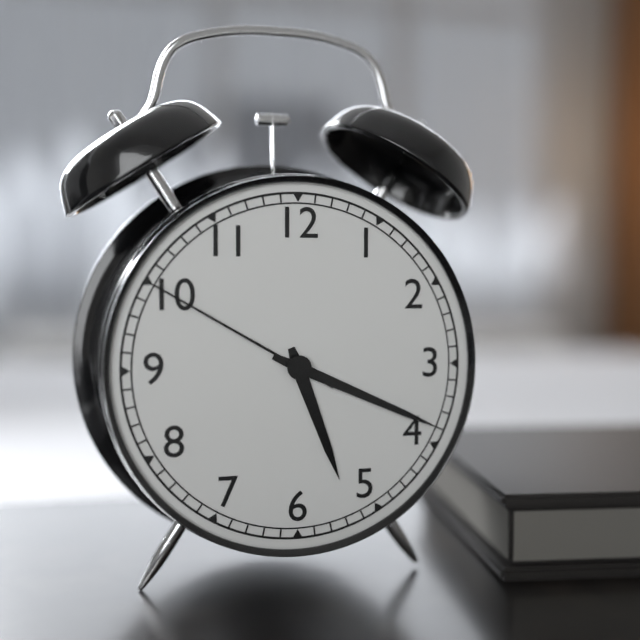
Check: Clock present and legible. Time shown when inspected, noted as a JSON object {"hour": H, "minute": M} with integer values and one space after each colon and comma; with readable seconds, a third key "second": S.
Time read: {"hour": 5, "minute": 19, "second": 50}
